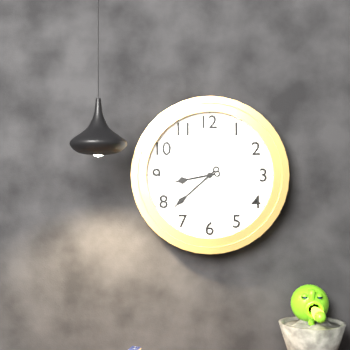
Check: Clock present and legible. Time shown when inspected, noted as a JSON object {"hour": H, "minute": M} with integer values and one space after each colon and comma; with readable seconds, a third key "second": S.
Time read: {"hour": 8, "minute": 38}
